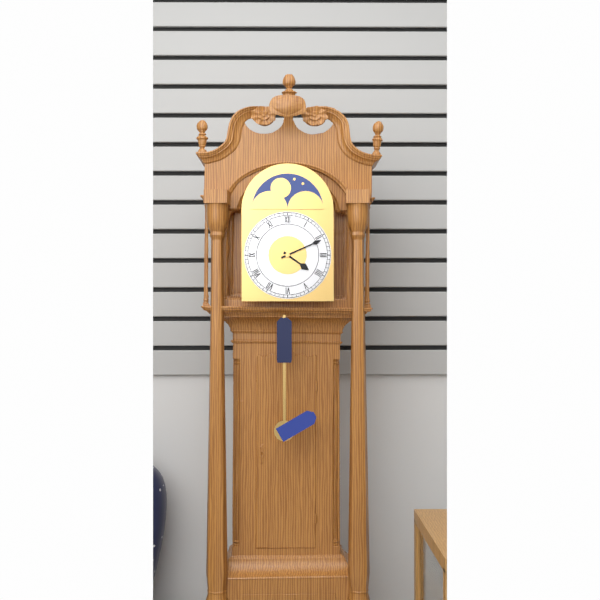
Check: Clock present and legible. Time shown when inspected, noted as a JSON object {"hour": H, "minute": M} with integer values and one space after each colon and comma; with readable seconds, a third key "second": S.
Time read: {"hour": 4, "minute": 11}
